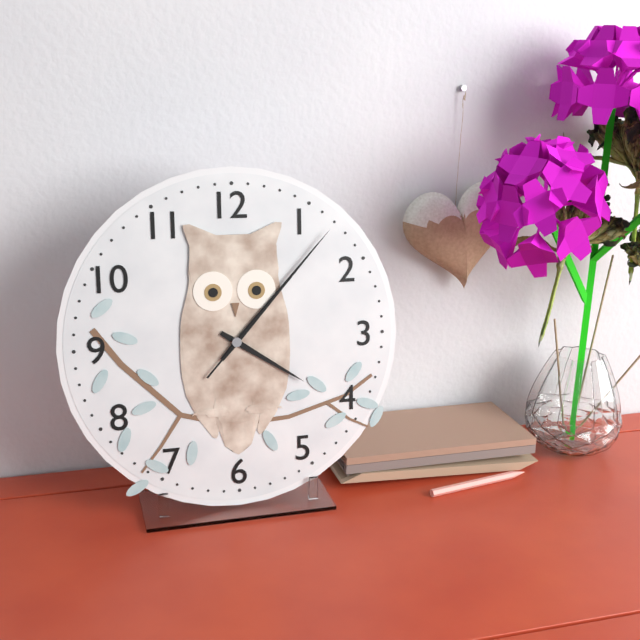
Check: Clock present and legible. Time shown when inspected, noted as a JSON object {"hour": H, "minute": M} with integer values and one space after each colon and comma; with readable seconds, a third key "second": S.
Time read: {"hour": 4, "minute": 7, "second": 7}
